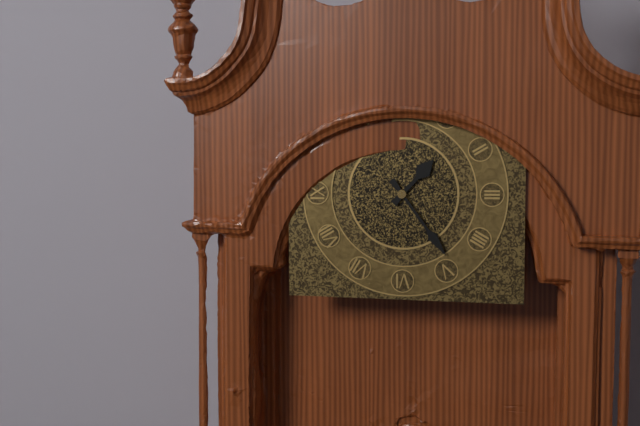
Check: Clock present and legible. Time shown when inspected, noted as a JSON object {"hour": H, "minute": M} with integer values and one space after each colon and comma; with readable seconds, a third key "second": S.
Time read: {"hour": 1, "minute": 24}
